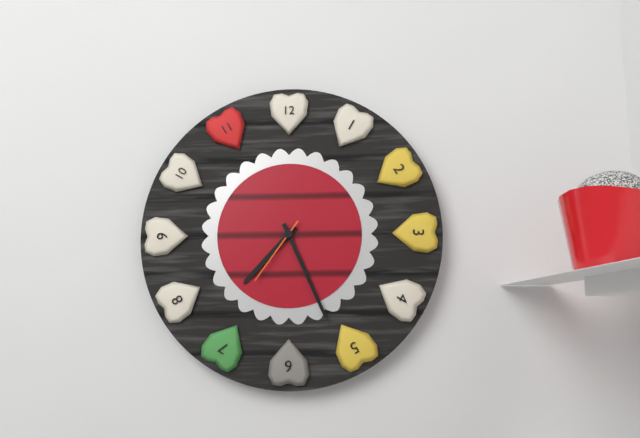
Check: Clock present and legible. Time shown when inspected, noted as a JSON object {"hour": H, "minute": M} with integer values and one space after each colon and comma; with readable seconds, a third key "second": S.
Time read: {"hour": 7, "minute": 26, "second": 36}
